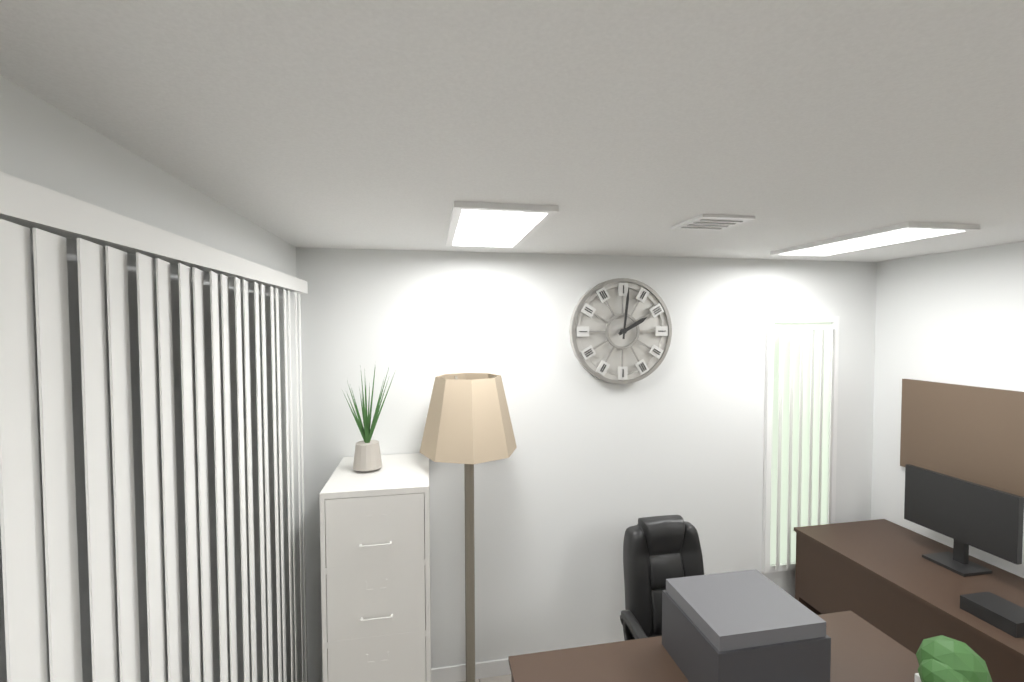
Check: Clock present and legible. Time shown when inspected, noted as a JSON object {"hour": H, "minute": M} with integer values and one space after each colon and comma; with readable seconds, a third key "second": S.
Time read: {"hour": 2, "minute": 1}
